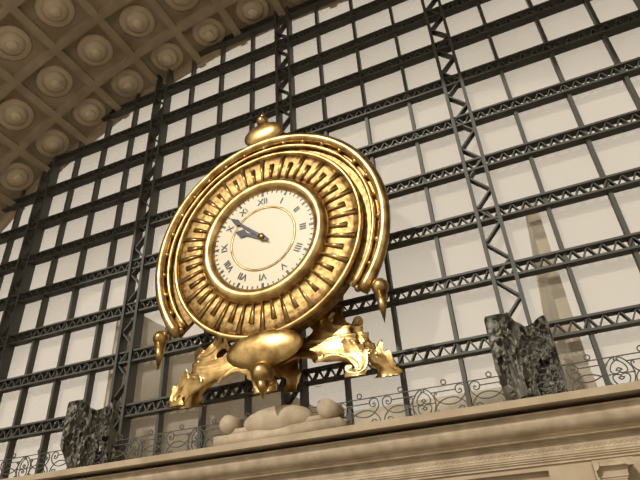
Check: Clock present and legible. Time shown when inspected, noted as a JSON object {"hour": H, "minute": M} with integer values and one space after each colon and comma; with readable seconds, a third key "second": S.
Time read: {"hour": 9, "minute": 52}
